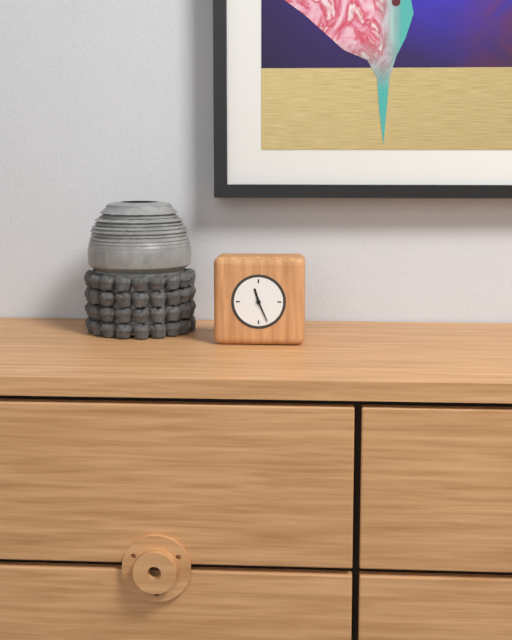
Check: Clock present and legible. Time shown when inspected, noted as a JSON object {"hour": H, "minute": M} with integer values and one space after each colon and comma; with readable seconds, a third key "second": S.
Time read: {"hour": 11, "minute": 26}
